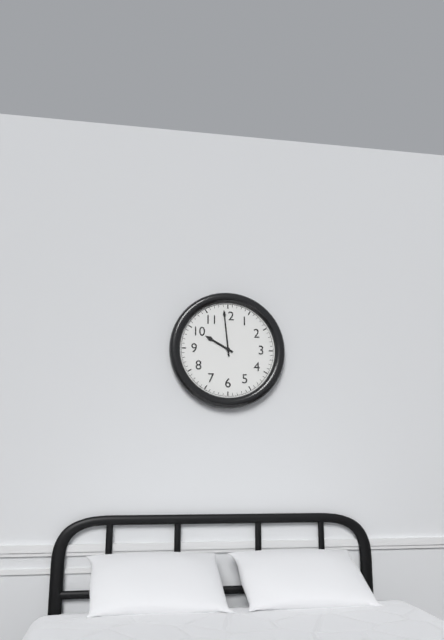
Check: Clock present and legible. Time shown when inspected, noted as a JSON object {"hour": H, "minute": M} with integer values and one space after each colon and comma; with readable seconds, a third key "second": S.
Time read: {"hour": 9, "minute": 59}
